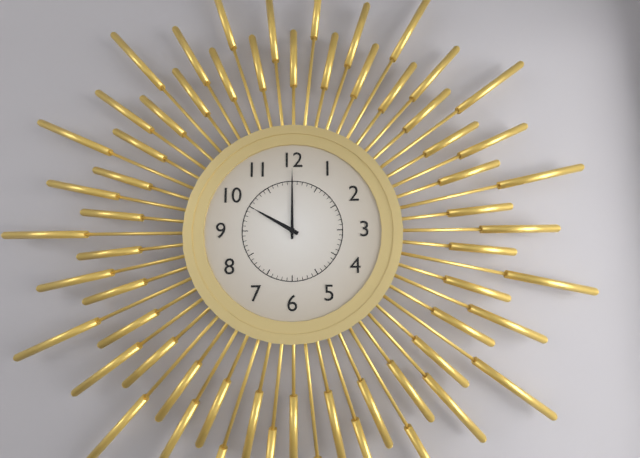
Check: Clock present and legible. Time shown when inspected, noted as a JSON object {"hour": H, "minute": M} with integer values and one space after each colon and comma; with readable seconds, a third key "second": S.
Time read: {"hour": 10, "minute": 0}
